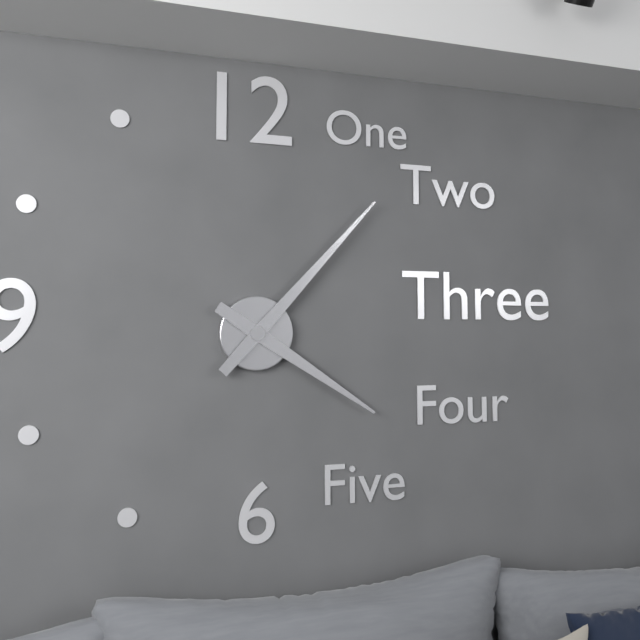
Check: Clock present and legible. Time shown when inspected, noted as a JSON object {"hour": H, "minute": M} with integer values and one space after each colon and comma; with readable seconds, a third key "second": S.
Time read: {"hour": 4, "minute": 7}
